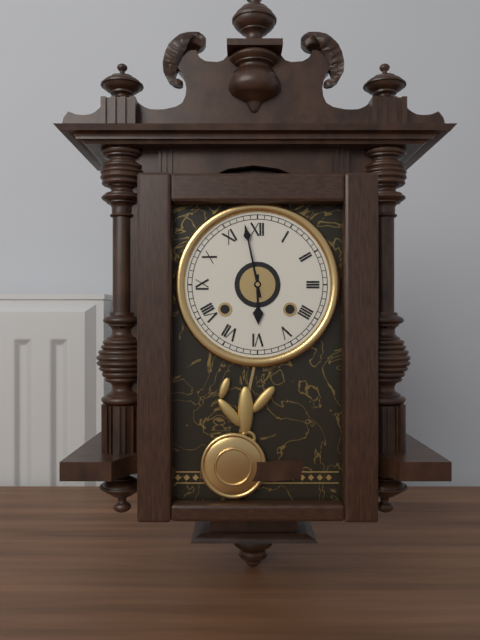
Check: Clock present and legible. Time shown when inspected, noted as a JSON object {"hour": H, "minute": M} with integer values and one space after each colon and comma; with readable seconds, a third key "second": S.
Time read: {"hour": 5, "minute": 58}
